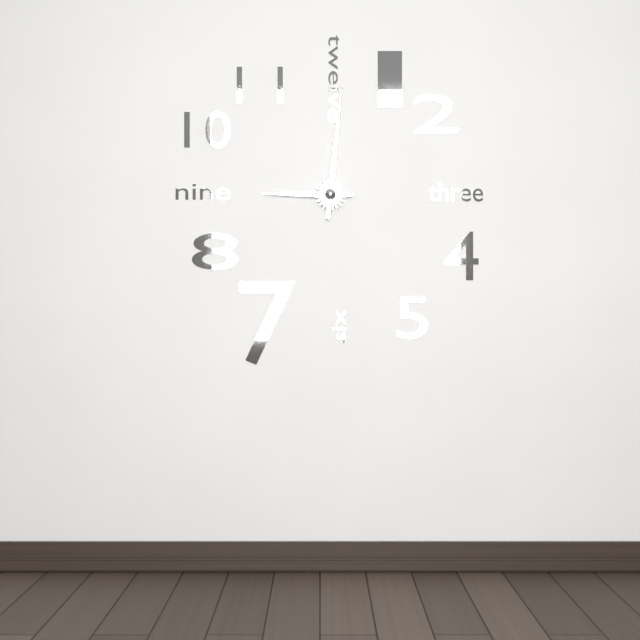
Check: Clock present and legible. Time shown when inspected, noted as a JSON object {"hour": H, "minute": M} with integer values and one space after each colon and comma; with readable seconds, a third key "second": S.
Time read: {"hour": 9, "minute": 1}
